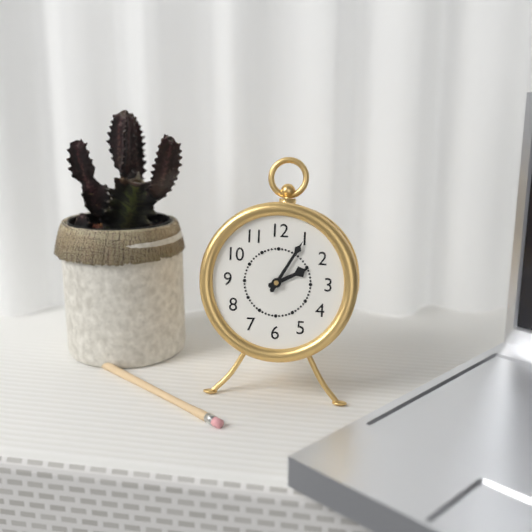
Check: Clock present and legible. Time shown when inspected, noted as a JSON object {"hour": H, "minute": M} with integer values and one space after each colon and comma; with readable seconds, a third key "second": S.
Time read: {"hour": 2, "minute": 5}
